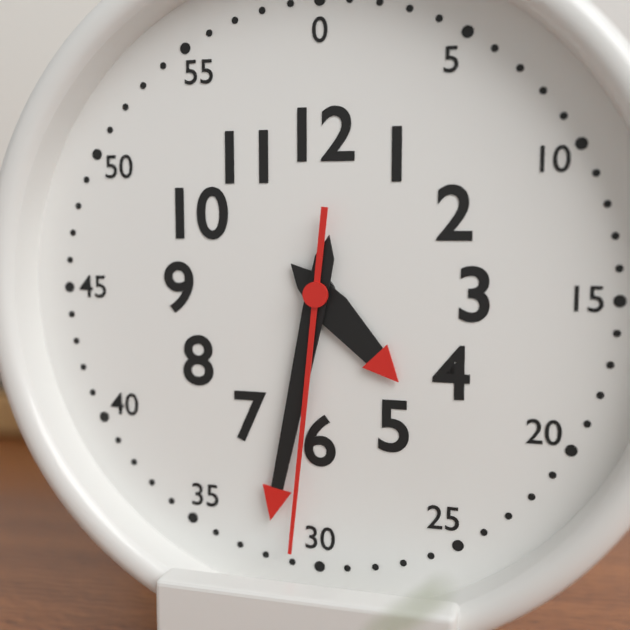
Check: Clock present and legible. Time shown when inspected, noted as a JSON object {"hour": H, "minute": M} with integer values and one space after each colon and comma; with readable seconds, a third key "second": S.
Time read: {"hour": 4, "minute": 32, "second": 31}
